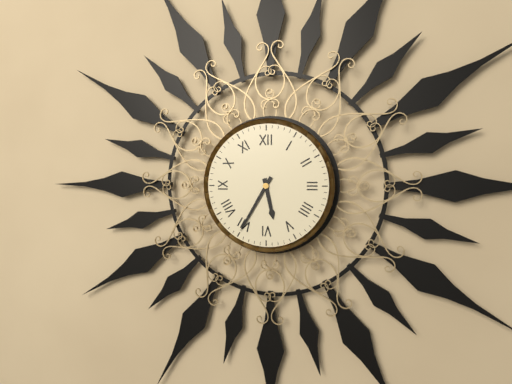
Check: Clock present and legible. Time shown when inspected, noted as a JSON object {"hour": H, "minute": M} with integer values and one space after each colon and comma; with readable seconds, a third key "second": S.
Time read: {"hour": 5, "minute": 35}
